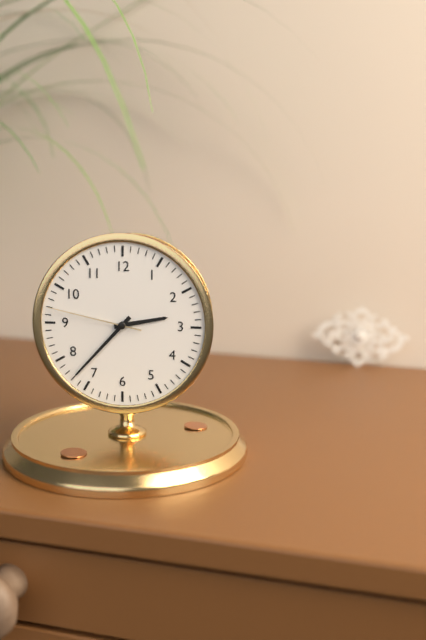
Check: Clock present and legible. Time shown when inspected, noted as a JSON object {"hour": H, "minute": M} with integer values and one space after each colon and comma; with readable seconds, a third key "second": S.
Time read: {"hour": 2, "minute": 37, "second": 47}
